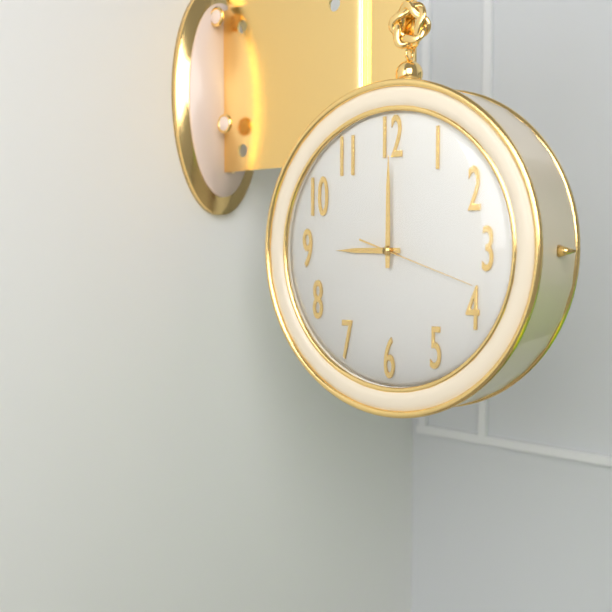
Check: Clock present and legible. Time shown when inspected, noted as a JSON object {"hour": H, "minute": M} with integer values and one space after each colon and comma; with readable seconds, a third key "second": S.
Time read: {"hour": 9, "minute": 0, "second": 18}
